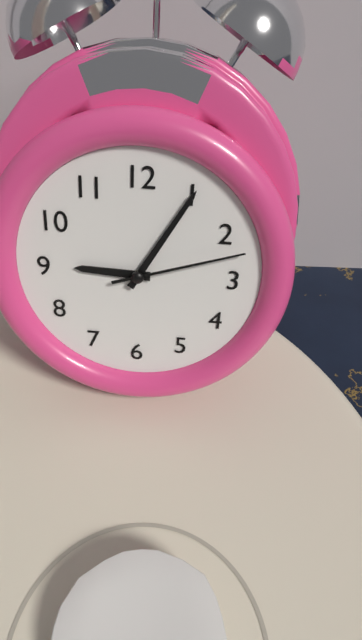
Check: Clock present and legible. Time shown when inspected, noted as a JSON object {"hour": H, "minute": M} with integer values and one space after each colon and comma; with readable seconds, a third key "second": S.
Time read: {"hour": 9, "minute": 5, "second": 12}
